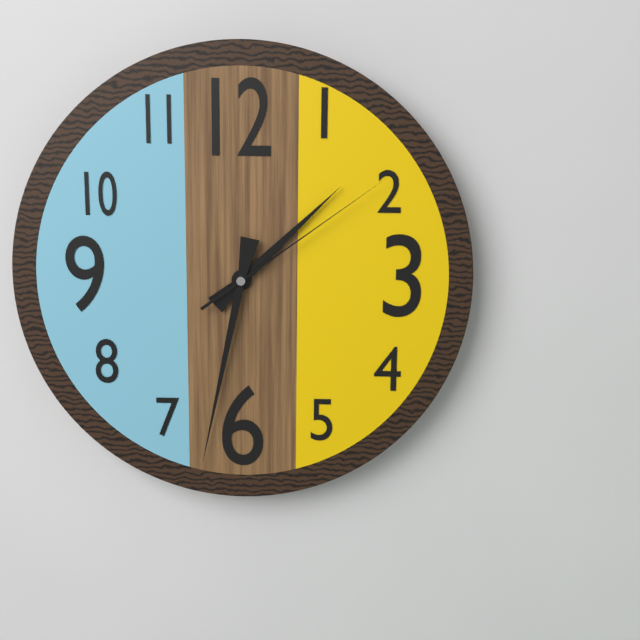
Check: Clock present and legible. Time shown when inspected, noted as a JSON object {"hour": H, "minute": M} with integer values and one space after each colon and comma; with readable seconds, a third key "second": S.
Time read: {"hour": 1, "minute": 32, "second": 9}
